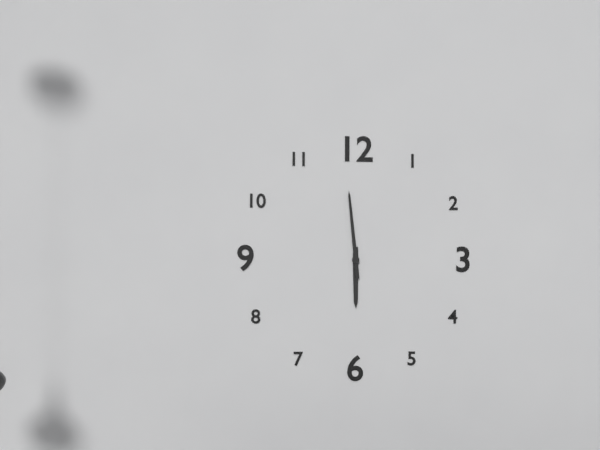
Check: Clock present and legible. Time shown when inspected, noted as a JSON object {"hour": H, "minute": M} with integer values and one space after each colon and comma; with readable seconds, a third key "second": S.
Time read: {"hour": 5, "minute": 59}
